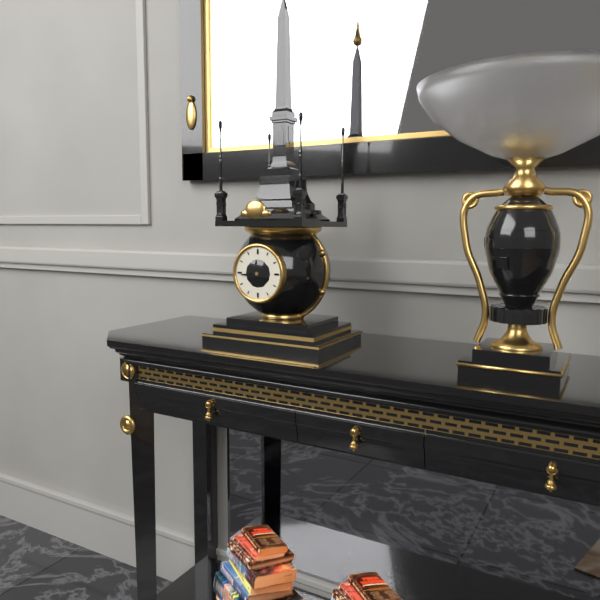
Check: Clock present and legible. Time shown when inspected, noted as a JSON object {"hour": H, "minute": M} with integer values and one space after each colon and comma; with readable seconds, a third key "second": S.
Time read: {"hour": 11, "minute": 44}
